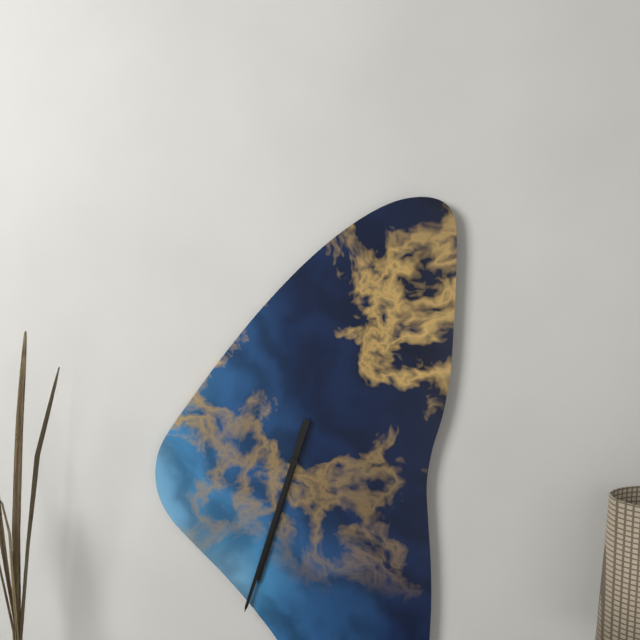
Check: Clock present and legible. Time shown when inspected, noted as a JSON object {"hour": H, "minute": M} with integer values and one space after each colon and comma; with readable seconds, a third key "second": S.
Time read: {"hour": 6, "minute": 33}
